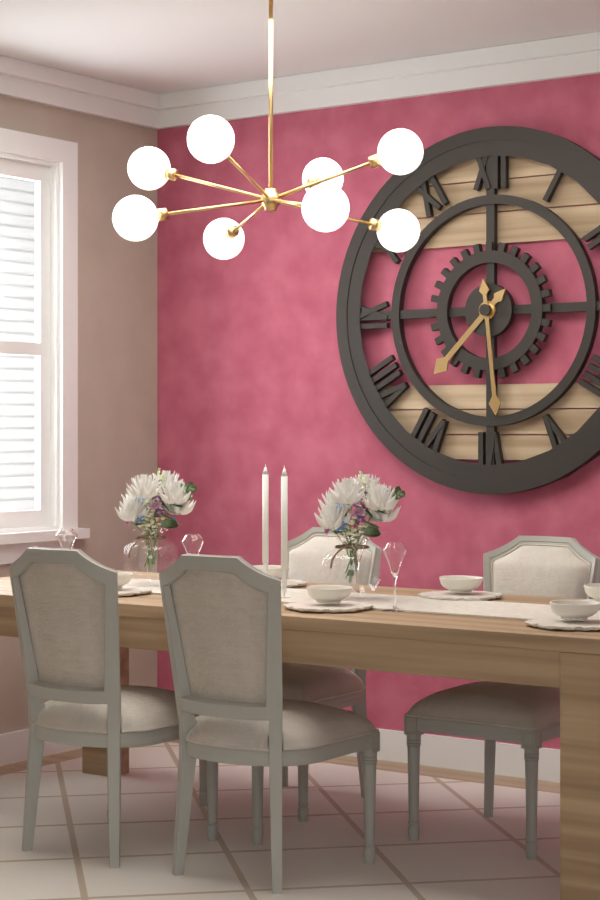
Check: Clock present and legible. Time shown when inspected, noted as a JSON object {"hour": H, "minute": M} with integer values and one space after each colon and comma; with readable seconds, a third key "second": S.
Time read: {"hour": 7, "minute": 29}
